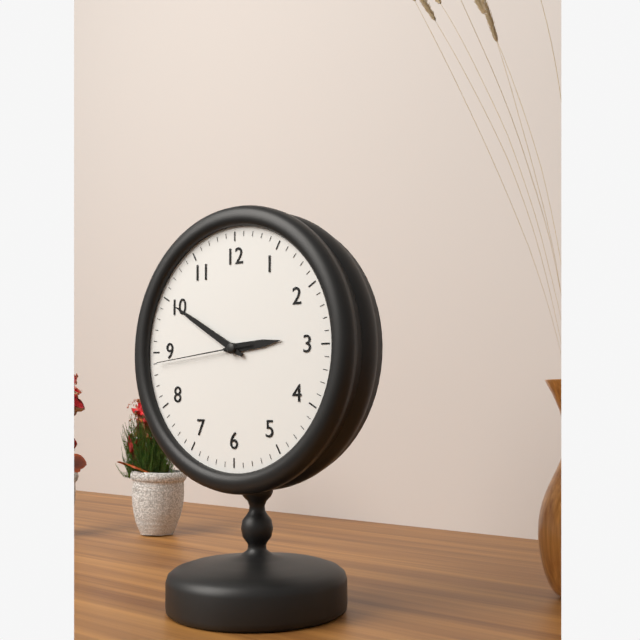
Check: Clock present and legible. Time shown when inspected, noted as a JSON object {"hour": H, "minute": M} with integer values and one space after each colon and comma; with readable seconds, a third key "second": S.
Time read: {"hour": 2, "minute": 50, "second": 44}
